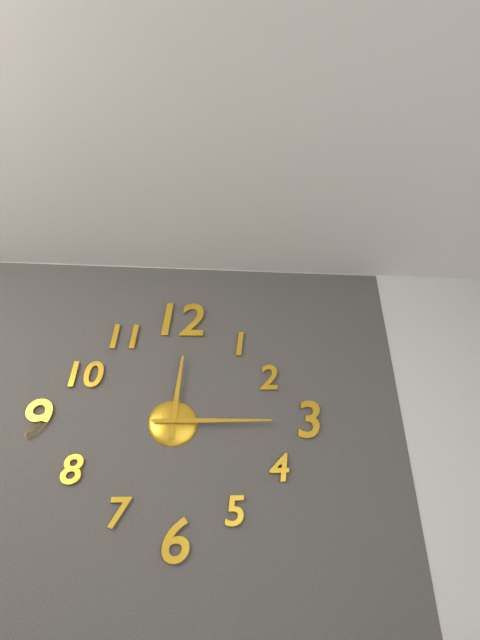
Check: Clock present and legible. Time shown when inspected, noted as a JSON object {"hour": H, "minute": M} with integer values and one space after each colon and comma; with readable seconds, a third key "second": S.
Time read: {"hour": 12, "minute": 15}
